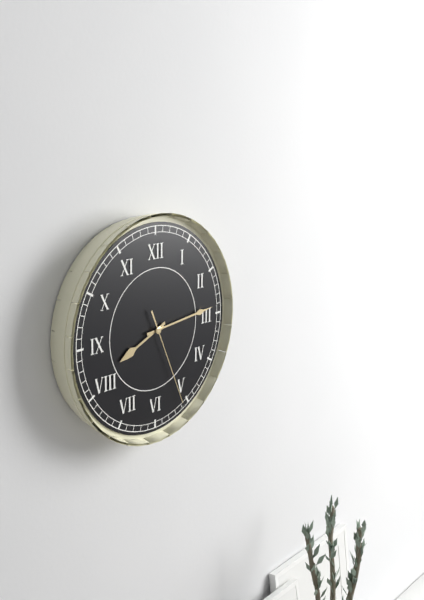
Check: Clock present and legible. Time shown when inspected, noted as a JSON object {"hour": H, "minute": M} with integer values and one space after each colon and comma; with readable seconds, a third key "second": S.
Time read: {"hour": 8, "minute": 14, "second": 26}
